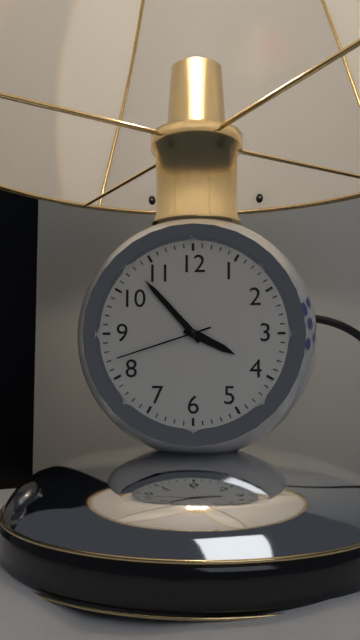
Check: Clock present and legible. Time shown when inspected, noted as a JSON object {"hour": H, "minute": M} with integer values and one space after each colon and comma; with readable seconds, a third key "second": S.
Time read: {"hour": 3, "minute": 53, "second": 42}
